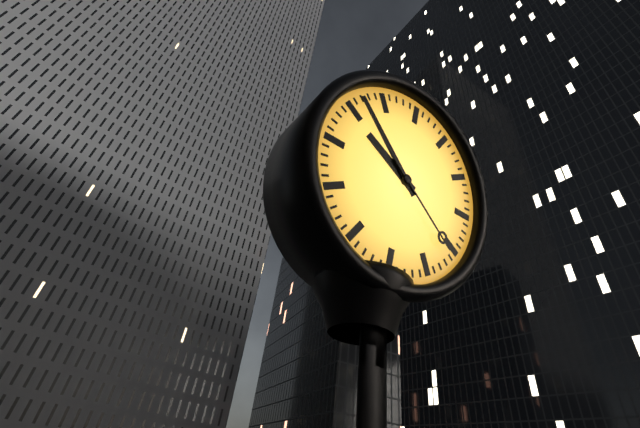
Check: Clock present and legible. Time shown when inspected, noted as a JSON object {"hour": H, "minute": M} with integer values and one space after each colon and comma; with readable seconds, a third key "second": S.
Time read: {"hour": 9, "minute": 52, "second": 21}
